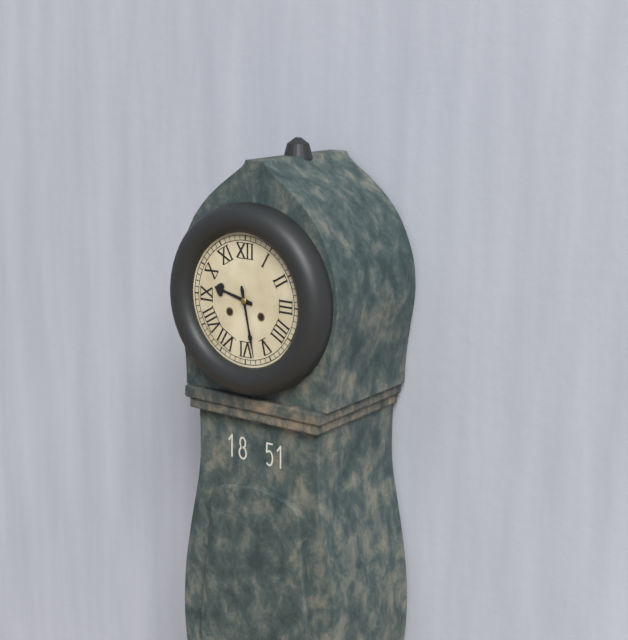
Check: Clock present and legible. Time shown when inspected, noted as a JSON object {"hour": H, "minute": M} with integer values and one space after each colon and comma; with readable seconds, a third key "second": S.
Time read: {"hour": 9, "minute": 28}
